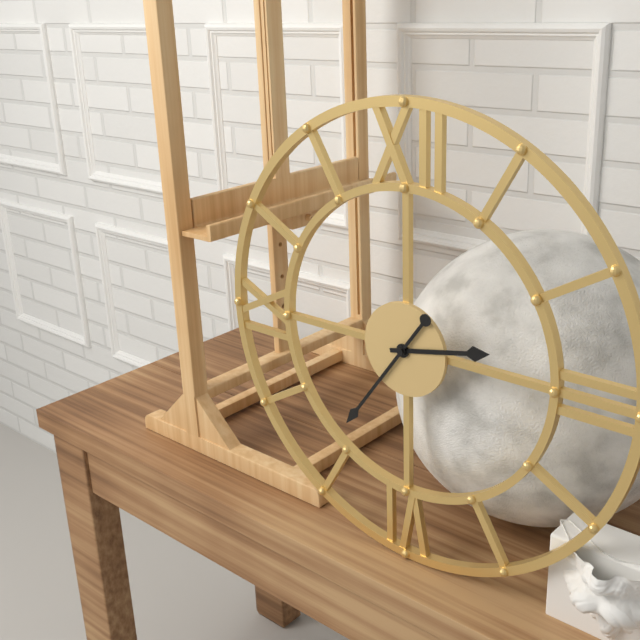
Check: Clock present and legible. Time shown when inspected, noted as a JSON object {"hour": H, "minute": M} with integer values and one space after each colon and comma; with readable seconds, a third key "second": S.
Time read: {"hour": 2, "minute": 36}
